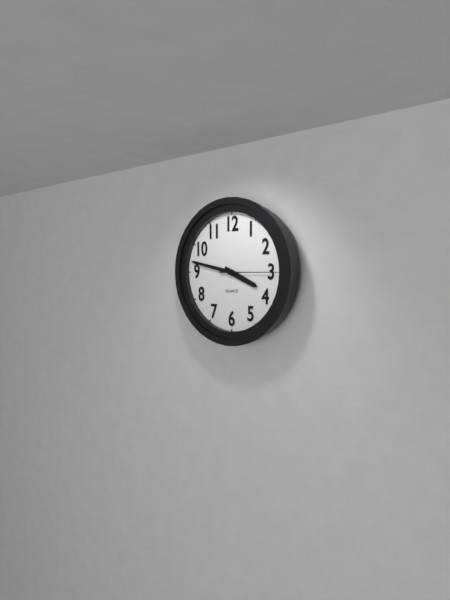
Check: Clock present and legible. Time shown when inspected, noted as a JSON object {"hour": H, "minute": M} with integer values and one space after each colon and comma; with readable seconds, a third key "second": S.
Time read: {"hour": 3, "minute": 47, "second": 15}
